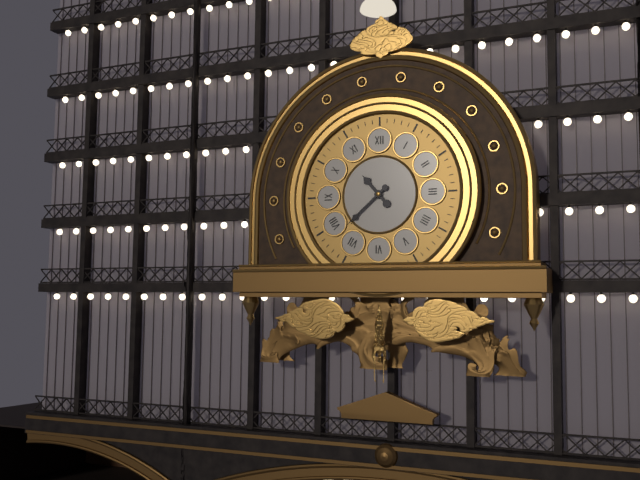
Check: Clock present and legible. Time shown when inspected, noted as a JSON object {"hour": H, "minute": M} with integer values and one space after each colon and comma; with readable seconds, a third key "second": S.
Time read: {"hour": 10, "minute": 38}
